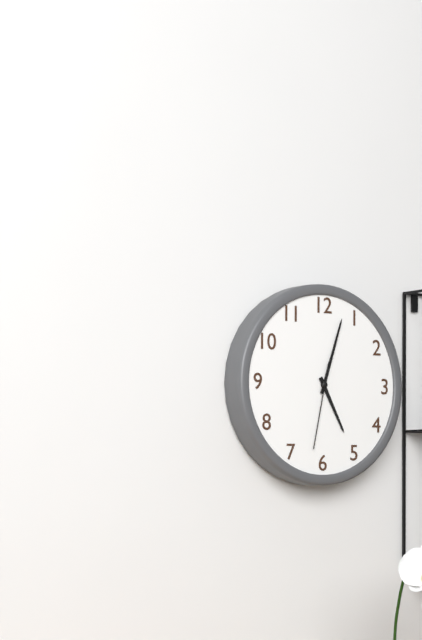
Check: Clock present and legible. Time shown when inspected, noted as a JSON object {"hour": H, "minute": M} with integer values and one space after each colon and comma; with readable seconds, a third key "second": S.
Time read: {"hour": 5, "minute": 3, "second": 32}
